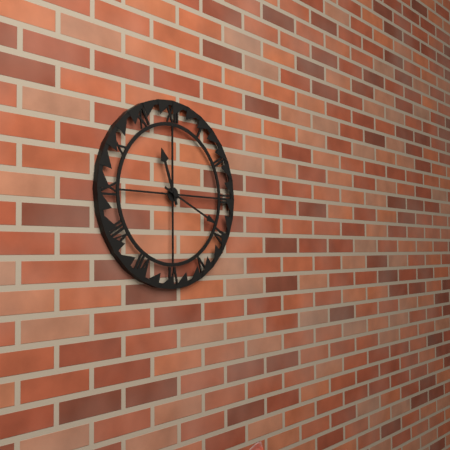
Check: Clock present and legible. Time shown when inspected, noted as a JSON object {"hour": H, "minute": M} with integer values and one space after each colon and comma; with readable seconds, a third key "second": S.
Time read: {"hour": 11, "minute": 19}
